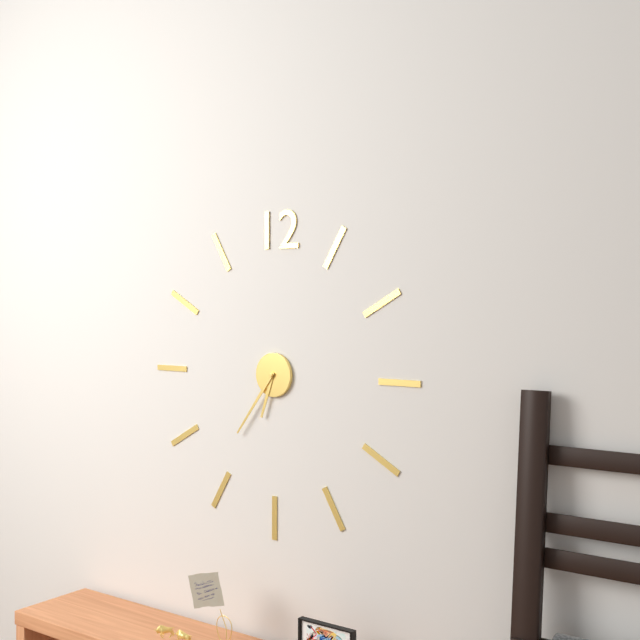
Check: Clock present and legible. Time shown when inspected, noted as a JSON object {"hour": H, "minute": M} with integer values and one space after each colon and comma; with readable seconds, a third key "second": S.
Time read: {"hour": 6, "minute": 36}
